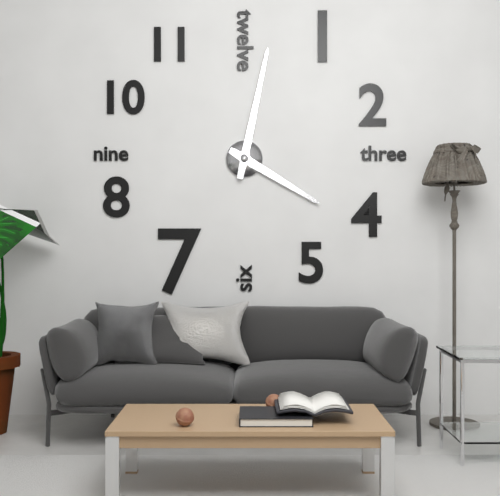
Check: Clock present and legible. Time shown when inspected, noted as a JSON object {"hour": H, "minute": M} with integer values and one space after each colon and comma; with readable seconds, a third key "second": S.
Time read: {"hour": 4, "minute": 2}
